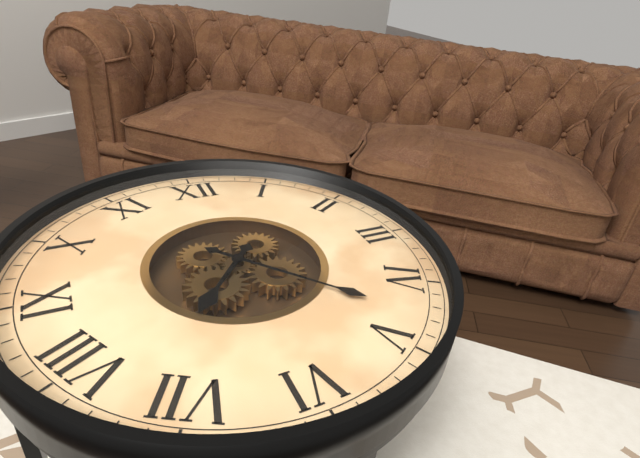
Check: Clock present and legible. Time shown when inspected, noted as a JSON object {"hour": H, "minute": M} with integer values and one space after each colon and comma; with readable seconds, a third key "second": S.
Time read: {"hour": 7, "minute": 23}
